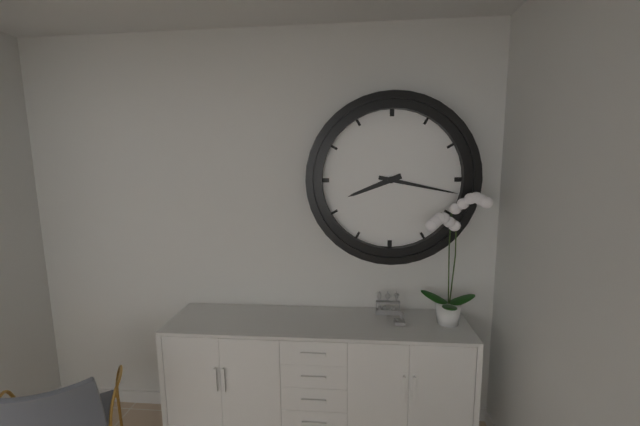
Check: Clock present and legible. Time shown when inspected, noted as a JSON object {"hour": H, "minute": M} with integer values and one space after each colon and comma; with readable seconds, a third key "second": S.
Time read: {"hour": 8, "minute": 17}
